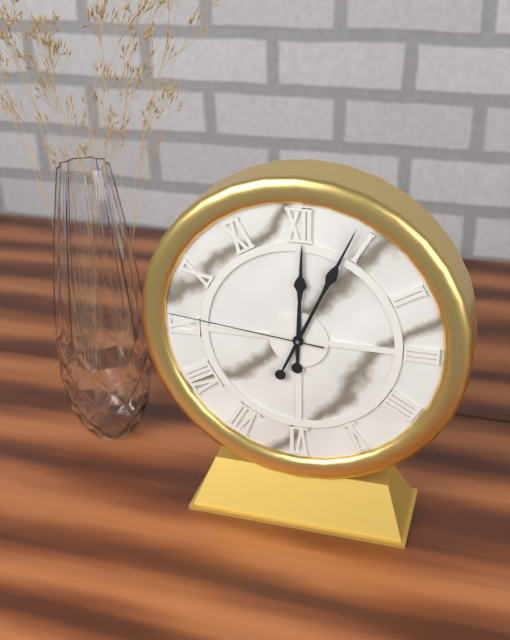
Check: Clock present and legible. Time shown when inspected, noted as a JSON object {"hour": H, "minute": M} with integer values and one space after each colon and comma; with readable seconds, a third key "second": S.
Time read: {"hour": 12, "minute": 4, "second": 46}
